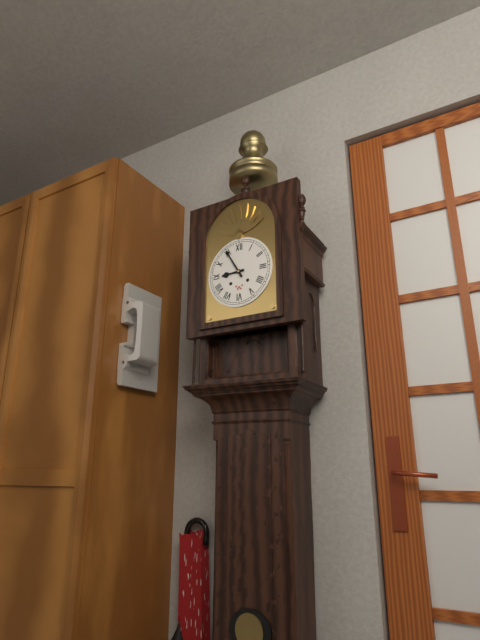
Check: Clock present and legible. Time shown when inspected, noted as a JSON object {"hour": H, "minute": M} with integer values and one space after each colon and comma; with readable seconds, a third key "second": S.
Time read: {"hour": 8, "minute": 55}
